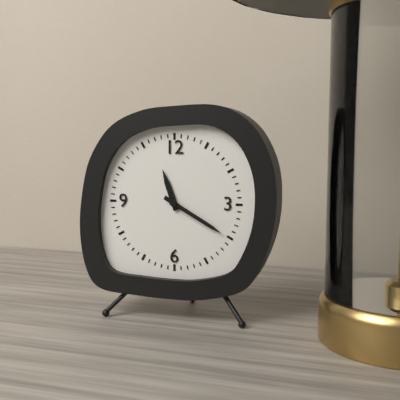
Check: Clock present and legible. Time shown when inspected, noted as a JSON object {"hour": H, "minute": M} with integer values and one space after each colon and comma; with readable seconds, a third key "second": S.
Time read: {"hour": 11, "minute": 20}
